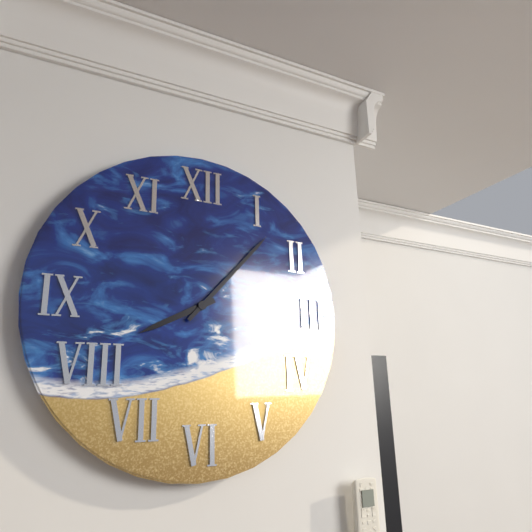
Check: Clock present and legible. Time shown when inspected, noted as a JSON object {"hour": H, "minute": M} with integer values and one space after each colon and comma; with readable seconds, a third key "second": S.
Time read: {"hour": 8, "minute": 7}
